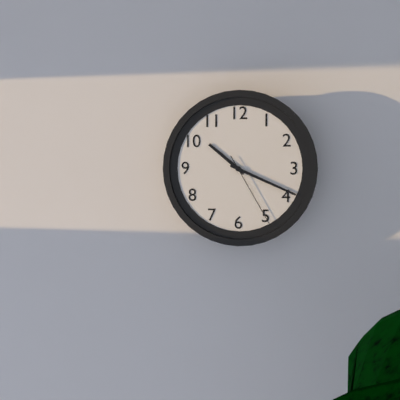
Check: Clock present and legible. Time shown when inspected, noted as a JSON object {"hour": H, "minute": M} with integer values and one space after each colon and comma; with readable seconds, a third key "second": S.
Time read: {"hour": 10, "minute": 19, "second": 25}
